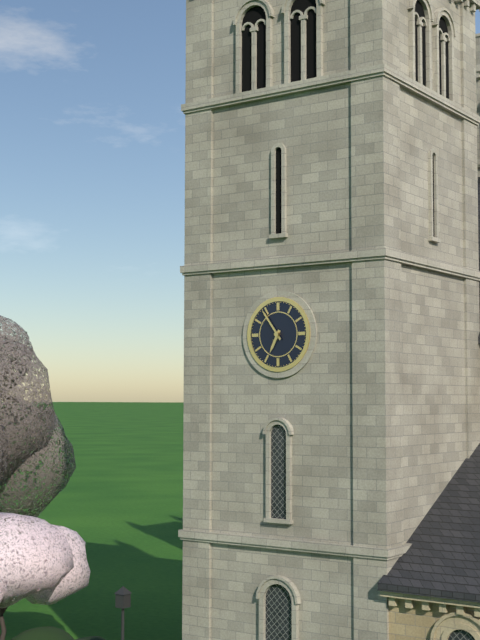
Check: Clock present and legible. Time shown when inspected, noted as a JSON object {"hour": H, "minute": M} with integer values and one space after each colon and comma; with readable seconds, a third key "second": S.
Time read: {"hour": 6, "minute": 54}
